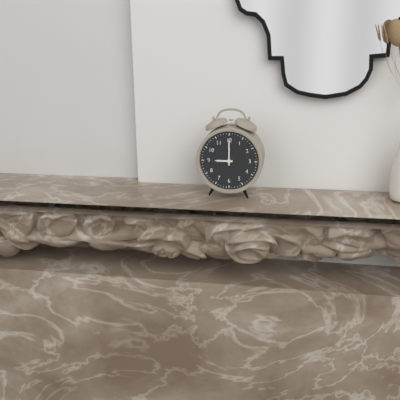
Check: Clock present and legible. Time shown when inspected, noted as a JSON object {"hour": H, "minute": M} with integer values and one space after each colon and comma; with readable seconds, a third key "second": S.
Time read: {"hour": 9, "minute": 0}
